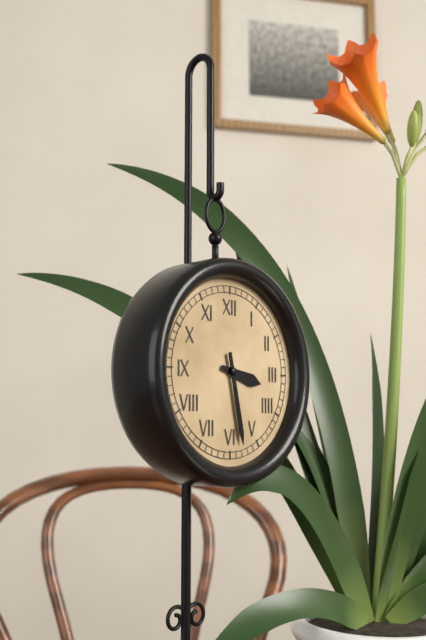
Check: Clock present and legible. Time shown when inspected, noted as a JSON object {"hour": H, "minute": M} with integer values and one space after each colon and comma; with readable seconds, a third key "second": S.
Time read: {"hour": 3, "minute": 28}
